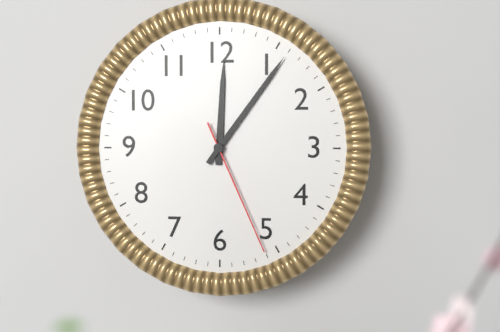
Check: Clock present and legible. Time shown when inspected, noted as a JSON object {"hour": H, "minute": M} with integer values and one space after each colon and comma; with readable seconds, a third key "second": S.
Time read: {"hour": 12, "minute": 6, "second": 26}
